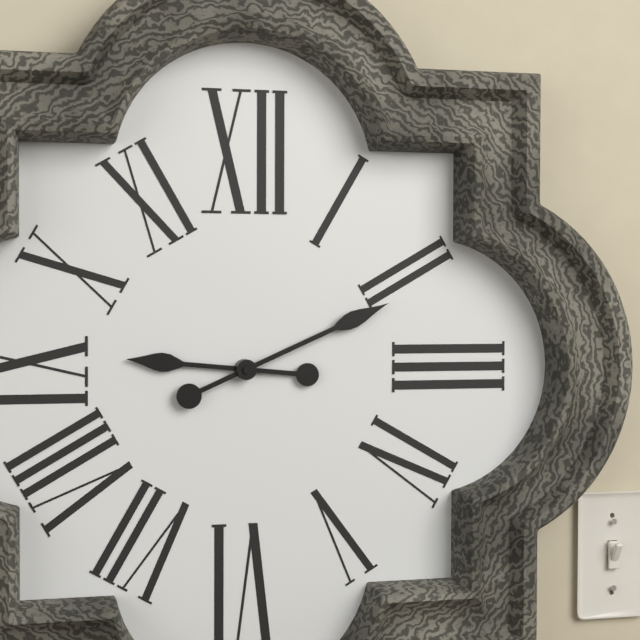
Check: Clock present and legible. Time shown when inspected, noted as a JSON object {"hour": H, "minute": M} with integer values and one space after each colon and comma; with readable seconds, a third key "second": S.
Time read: {"hour": 9, "minute": 11}
